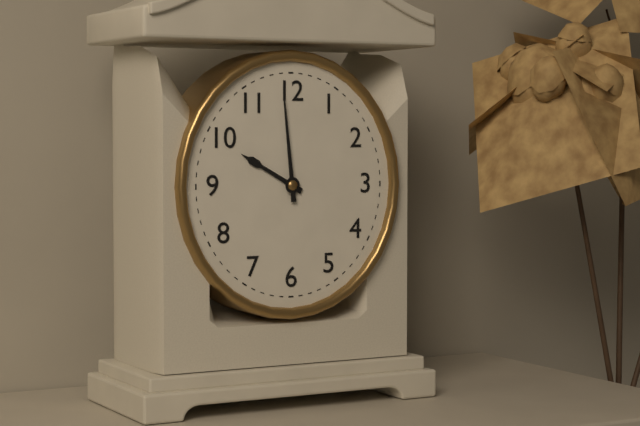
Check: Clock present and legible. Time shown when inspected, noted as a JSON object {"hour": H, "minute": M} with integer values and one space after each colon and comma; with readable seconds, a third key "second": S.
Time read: {"hour": 9, "minute": 59}
